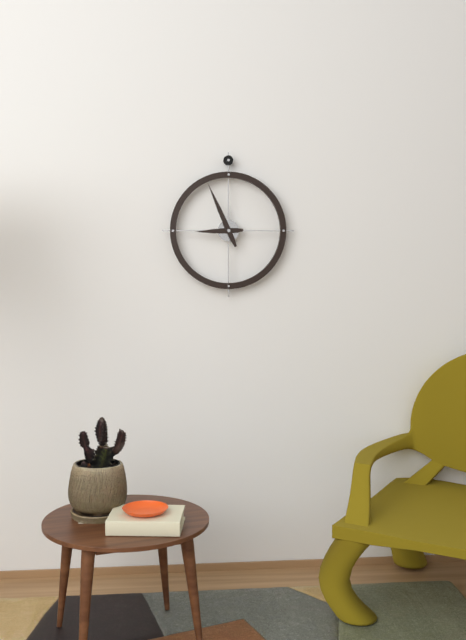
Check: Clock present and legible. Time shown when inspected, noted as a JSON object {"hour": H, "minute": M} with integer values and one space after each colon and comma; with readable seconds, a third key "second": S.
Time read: {"hour": 8, "minute": 56}
